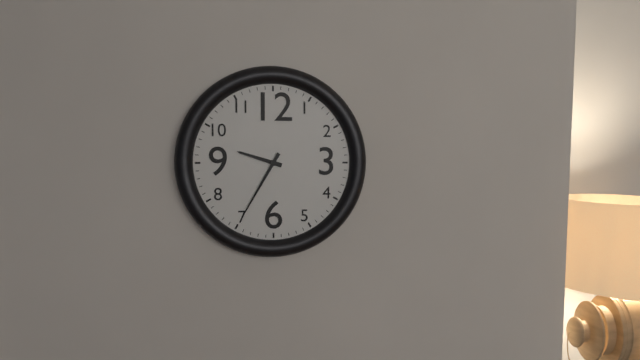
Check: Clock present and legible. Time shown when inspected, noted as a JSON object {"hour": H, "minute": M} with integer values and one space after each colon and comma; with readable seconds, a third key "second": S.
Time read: {"hour": 9, "minute": 35}
